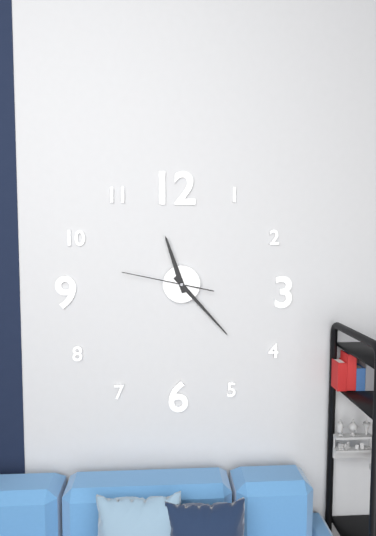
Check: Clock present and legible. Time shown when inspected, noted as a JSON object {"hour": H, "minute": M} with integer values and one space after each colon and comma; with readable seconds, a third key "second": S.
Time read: {"hour": 11, "minute": 23, "second": 47}
